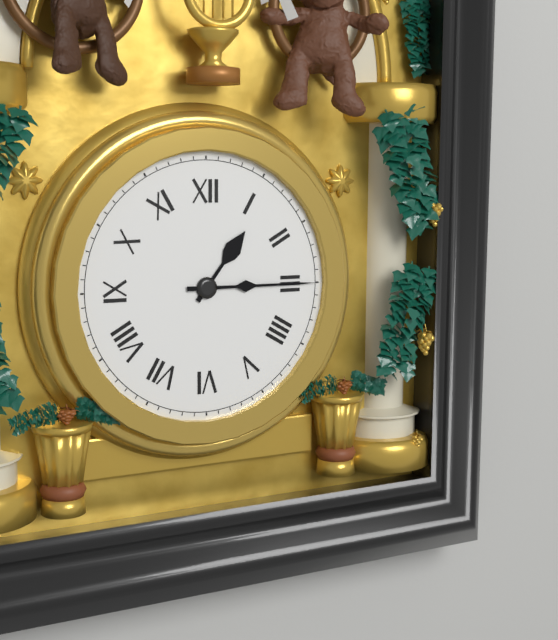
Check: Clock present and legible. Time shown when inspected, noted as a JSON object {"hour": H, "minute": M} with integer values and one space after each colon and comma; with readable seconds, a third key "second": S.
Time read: {"hour": 1, "minute": 15}
